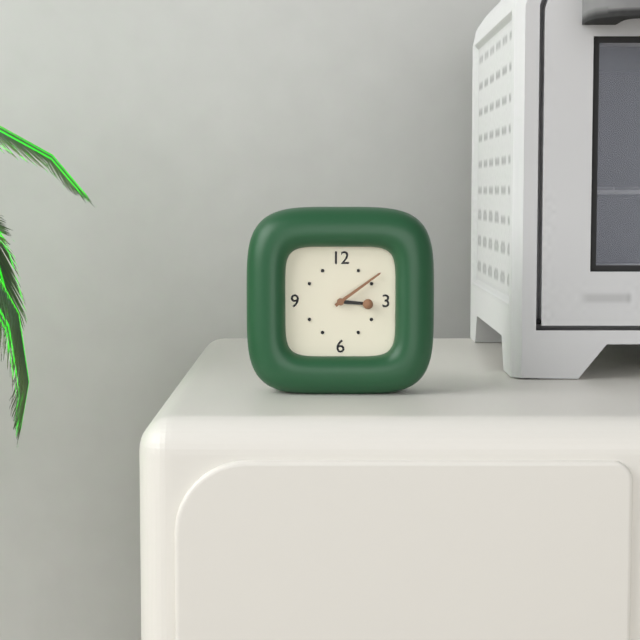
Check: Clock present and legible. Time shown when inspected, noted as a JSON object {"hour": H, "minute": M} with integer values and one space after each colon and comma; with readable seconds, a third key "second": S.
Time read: {"hour": 3, "minute": 9}
